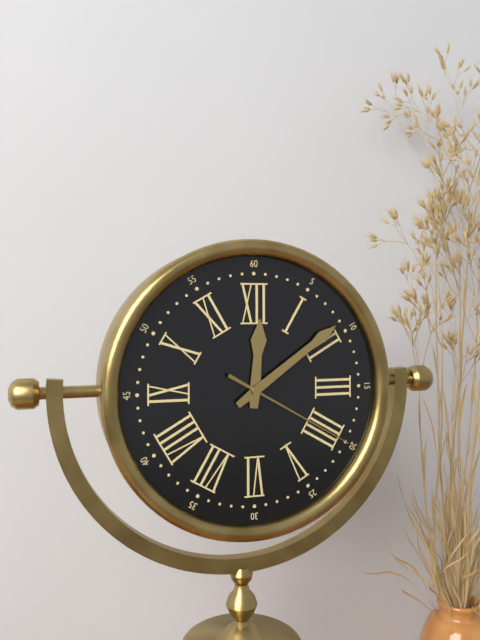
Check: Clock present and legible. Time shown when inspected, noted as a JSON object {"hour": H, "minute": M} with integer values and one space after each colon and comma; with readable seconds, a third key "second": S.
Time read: {"hour": 12, "minute": 9, "second": 20}
